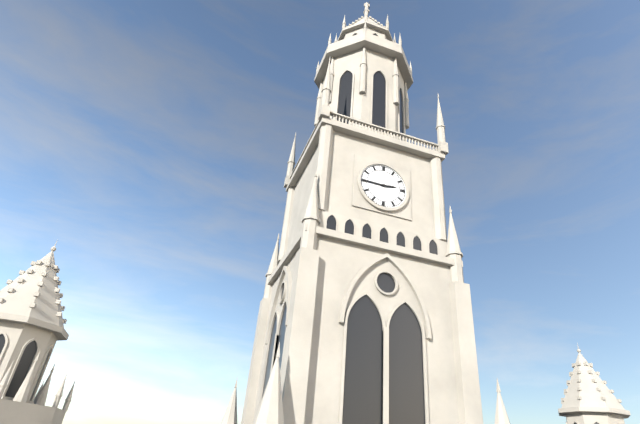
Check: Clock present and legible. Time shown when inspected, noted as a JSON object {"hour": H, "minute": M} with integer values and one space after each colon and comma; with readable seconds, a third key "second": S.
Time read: {"hour": 2, "minute": 45}
